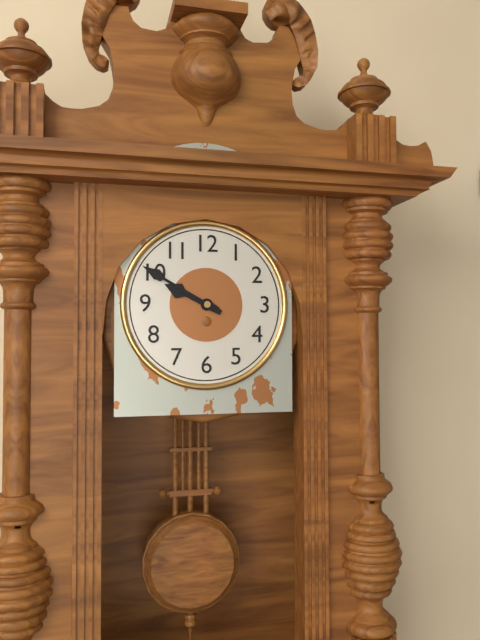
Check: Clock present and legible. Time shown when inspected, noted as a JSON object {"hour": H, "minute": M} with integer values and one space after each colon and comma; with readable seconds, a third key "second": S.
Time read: {"hour": 9, "minute": 50}
